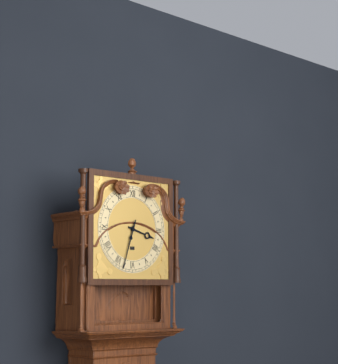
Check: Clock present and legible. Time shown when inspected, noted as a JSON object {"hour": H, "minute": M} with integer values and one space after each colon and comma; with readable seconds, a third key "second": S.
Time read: {"hour": 3, "minute": 33}
